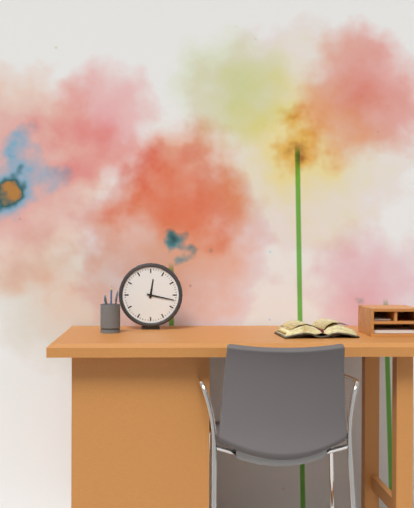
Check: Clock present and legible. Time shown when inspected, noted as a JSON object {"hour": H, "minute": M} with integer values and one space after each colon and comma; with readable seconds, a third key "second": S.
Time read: {"hour": 12, "minute": 17}
